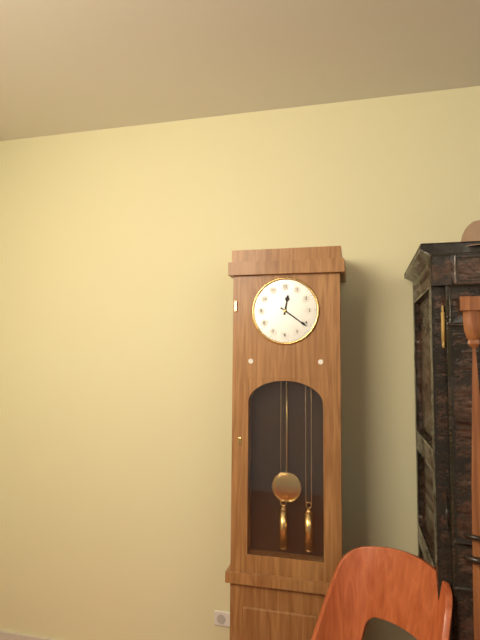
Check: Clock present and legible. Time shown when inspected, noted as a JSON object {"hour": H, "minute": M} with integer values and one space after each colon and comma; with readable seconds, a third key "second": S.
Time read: {"hour": 12, "minute": 21}
